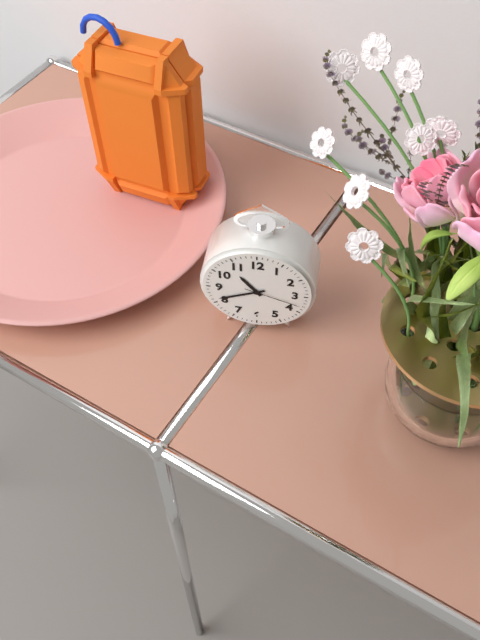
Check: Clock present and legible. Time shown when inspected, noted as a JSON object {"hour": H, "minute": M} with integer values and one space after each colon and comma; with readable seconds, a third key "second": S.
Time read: {"hour": 10, "minute": 41, "second": 18}
